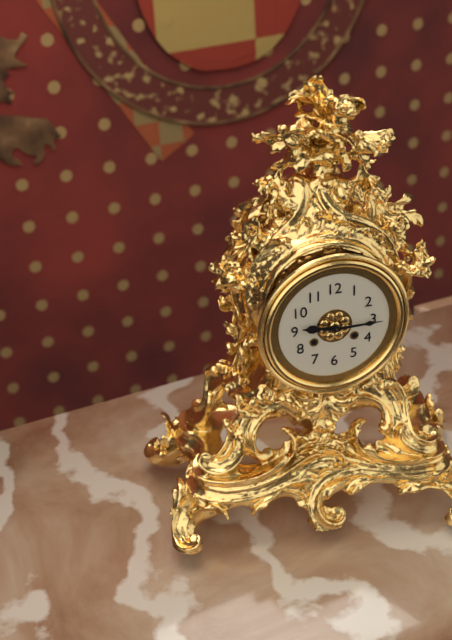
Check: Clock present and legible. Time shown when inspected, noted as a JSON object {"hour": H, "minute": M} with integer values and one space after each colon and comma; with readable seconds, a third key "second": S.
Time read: {"hour": 9, "minute": 15}
